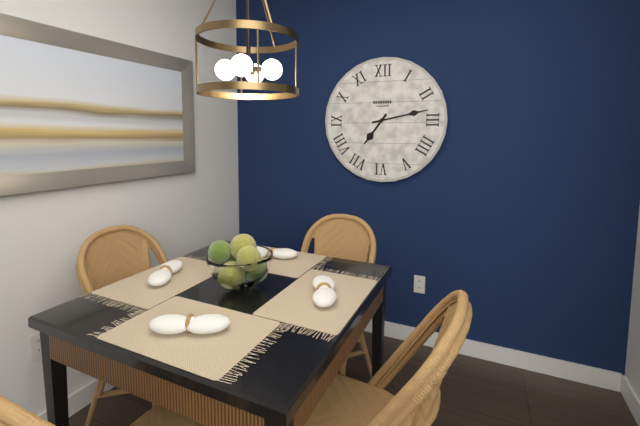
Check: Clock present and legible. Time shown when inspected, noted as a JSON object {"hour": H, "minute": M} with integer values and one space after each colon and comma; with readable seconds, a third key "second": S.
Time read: {"hour": 7, "minute": 13}
